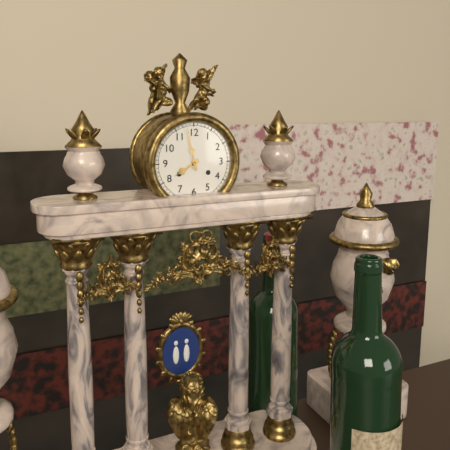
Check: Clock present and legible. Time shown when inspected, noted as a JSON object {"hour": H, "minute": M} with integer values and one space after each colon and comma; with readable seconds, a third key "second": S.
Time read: {"hour": 7, "minute": 58}
